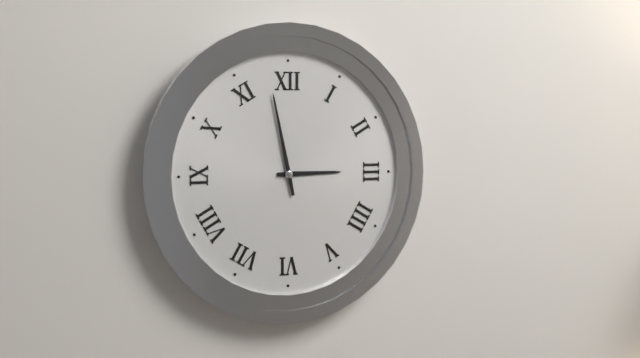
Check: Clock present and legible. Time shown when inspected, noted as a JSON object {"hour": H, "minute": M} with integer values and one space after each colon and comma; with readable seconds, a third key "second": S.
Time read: {"hour": 2, "minute": 58}
